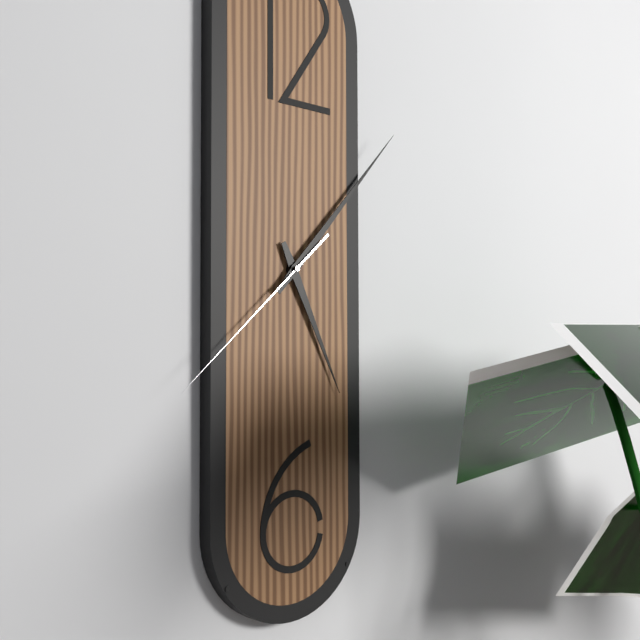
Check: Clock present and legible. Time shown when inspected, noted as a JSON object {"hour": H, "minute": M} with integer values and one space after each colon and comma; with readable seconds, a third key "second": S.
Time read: {"hour": 5, "minute": 7, "second": 38}
